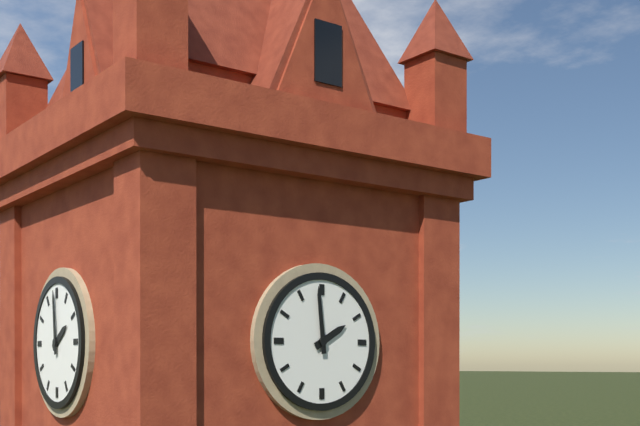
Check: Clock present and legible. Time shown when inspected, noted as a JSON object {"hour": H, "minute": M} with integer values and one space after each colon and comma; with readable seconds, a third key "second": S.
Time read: {"hour": 1, "minute": 59}
